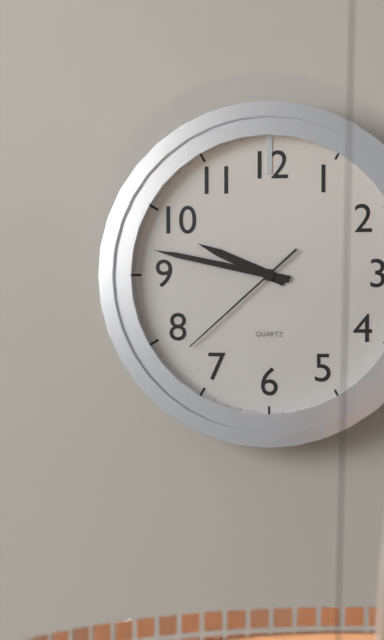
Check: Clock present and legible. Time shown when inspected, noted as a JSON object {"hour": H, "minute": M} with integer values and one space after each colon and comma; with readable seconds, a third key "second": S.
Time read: {"hour": 9, "minute": 47, "second": 38}
